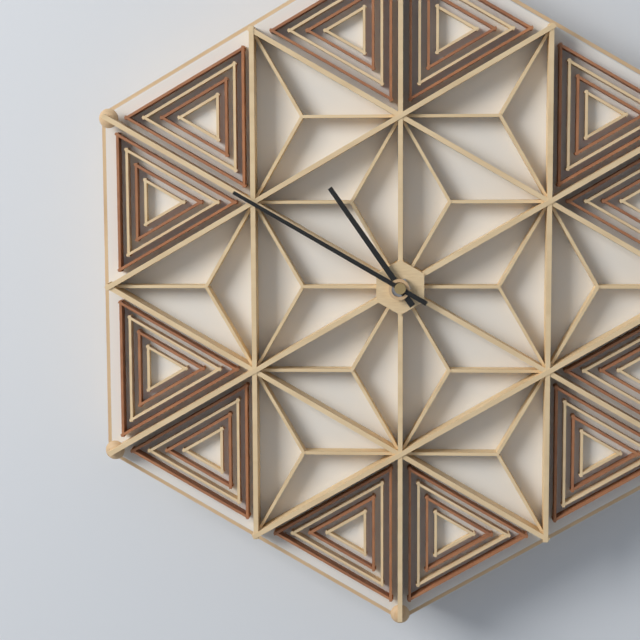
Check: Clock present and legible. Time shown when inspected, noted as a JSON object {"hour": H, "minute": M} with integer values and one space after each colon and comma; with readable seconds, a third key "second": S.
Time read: {"hour": 10, "minute": 50}
